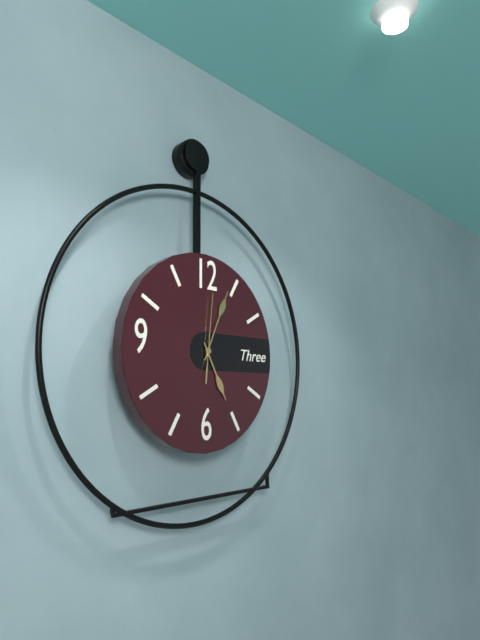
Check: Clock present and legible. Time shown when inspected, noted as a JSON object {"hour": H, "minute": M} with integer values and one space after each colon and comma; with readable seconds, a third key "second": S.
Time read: {"hour": 5, "minute": 4, "second": 1}
